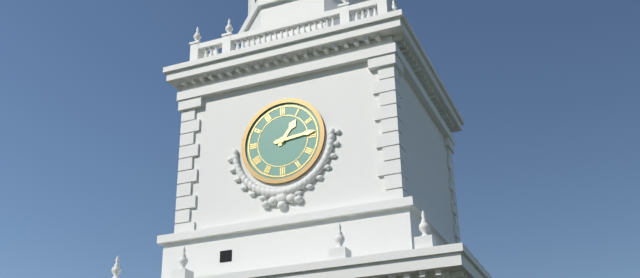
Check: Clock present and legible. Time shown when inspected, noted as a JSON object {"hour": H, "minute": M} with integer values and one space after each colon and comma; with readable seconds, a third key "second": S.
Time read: {"hour": 1, "minute": 14}
